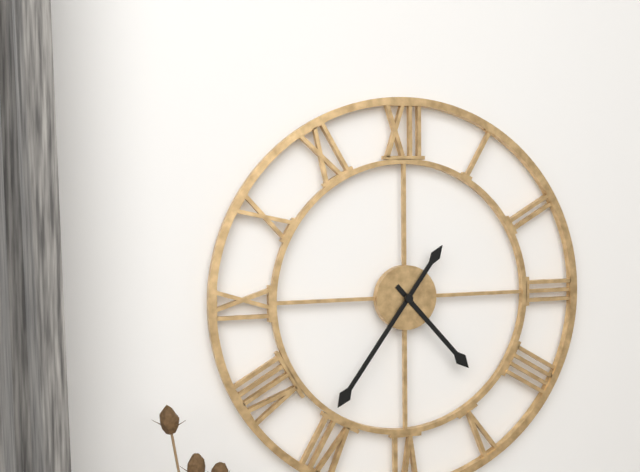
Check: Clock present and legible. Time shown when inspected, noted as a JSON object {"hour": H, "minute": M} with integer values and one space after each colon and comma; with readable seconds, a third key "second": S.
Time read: {"hour": 4, "minute": 36}
